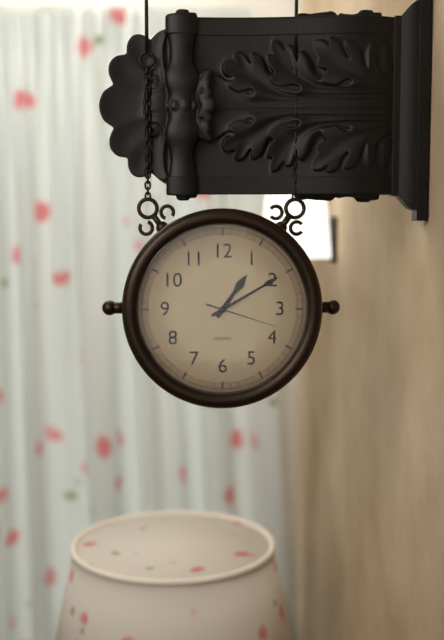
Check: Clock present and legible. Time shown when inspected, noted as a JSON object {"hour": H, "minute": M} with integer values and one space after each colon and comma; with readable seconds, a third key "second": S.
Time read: {"hour": 1, "minute": 10, "second": 18}
